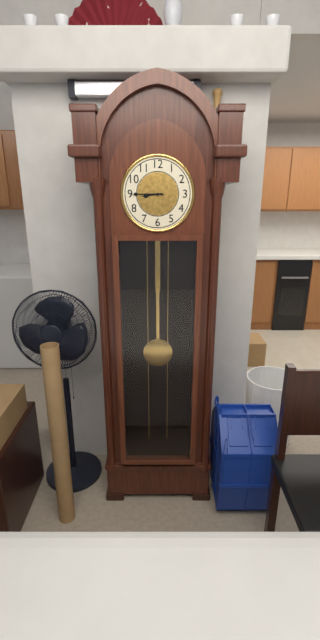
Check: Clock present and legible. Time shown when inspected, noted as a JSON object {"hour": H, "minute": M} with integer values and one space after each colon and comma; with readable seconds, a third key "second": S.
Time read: {"hour": 8, "minute": 45}
